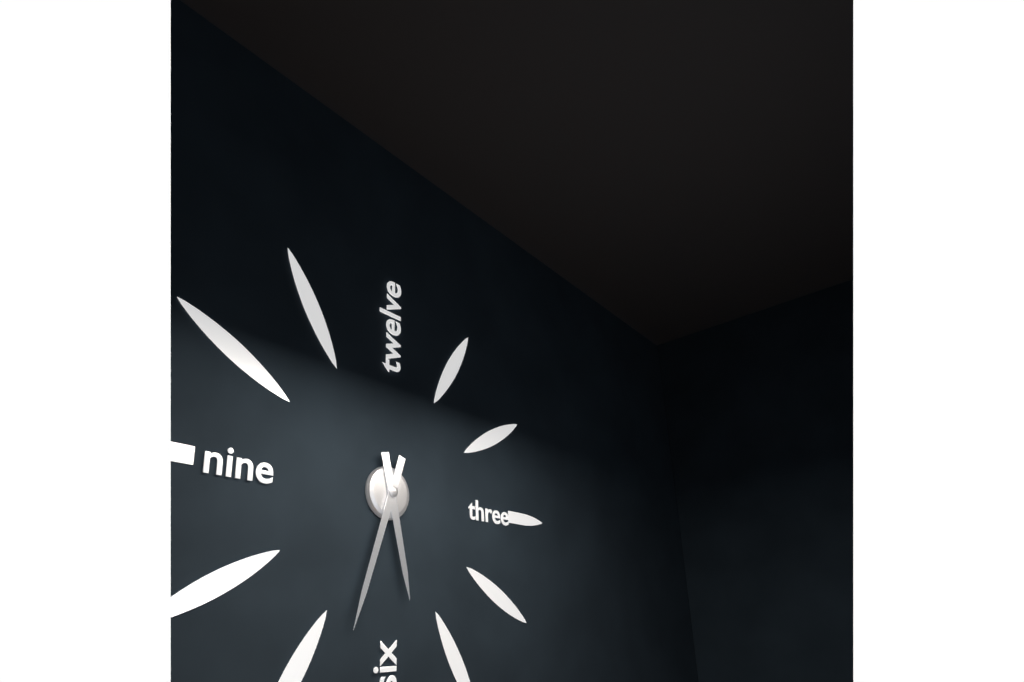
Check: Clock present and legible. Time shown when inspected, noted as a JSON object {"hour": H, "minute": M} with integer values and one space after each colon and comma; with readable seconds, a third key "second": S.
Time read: {"hour": 5, "minute": 33}
